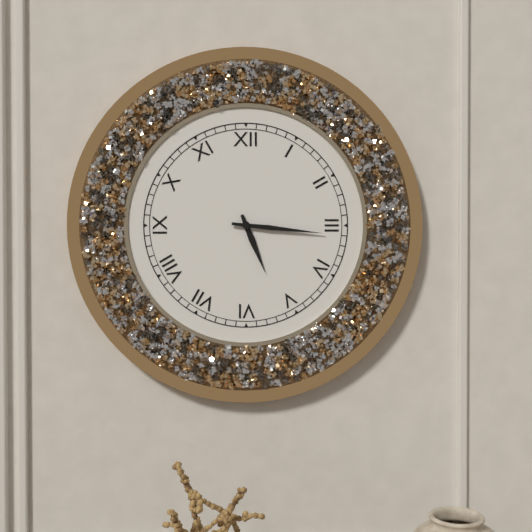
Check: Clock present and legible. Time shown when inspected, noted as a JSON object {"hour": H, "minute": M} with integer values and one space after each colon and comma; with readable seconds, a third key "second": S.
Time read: {"hour": 5, "minute": 16}
